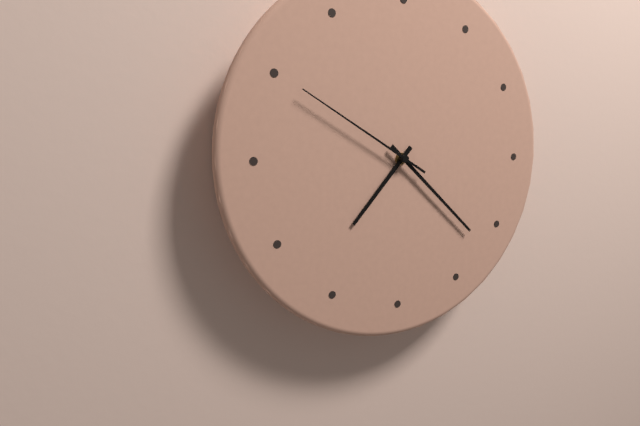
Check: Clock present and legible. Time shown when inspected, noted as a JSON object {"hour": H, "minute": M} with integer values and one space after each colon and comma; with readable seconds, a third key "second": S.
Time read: {"hour": 7, "minute": 22, "second": 50}
